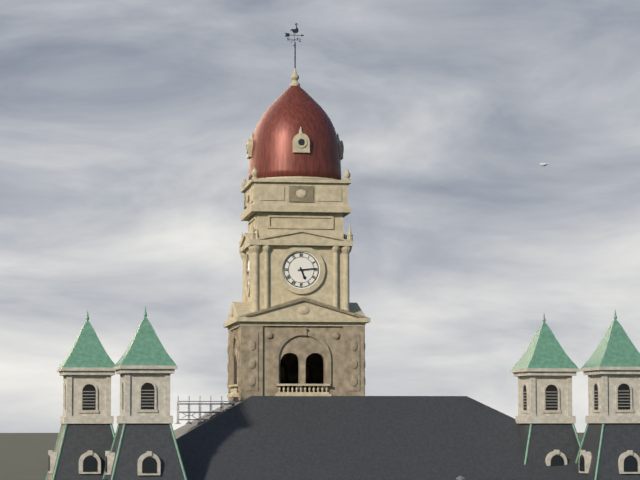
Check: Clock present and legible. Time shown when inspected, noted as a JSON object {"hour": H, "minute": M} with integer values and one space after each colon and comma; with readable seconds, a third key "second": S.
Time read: {"hour": 5, "minute": 14}
